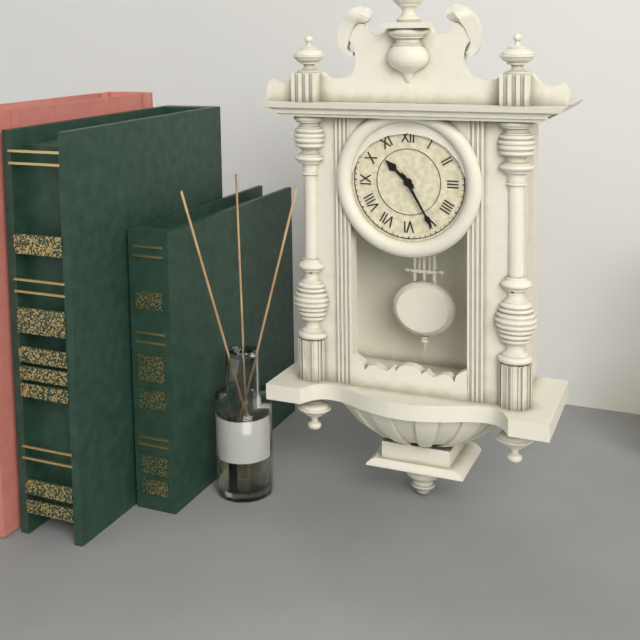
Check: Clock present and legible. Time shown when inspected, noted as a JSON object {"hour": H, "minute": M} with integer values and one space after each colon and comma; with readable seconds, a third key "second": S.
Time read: {"hour": 10, "minute": 25}
